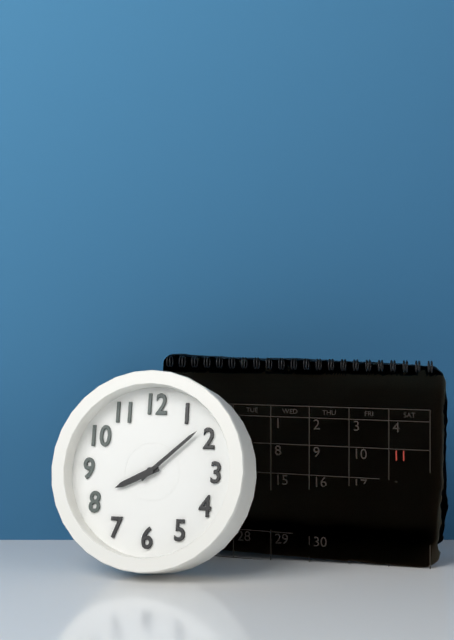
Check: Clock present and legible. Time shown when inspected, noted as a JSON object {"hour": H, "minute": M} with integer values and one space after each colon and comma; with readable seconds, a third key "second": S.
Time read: {"hour": 8, "minute": 8}
